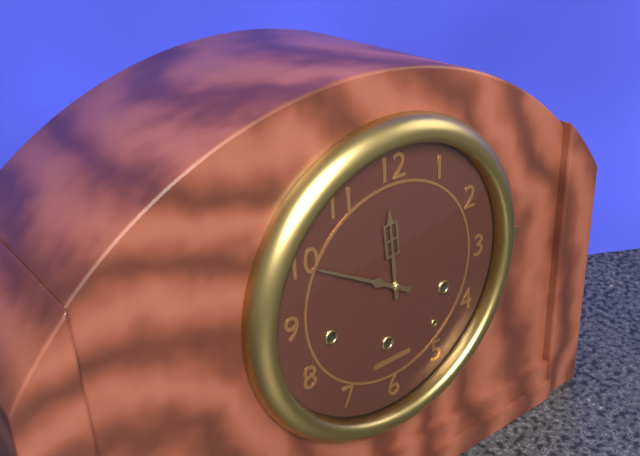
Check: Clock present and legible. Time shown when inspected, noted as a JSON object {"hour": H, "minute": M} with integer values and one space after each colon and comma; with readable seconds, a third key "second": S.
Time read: {"hour": 11, "minute": 50}
